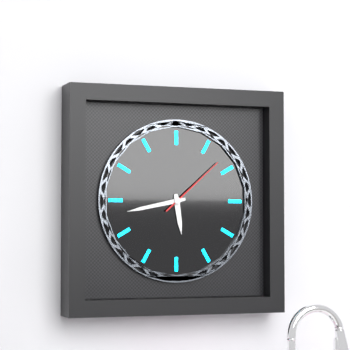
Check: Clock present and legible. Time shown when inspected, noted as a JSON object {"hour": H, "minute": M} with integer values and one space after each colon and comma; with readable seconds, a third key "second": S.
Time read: {"hour": 5, "minute": 43, "second": 8}
